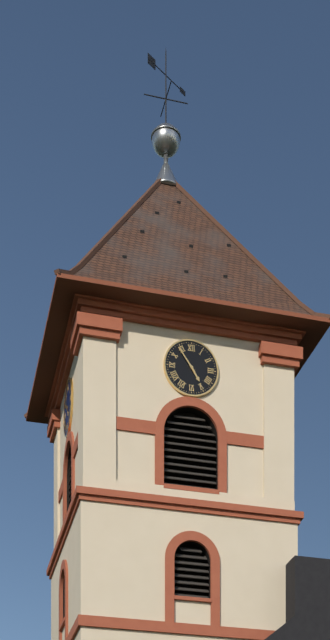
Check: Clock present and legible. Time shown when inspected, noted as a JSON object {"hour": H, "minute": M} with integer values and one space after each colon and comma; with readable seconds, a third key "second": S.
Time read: {"hour": 4, "minute": 54}
